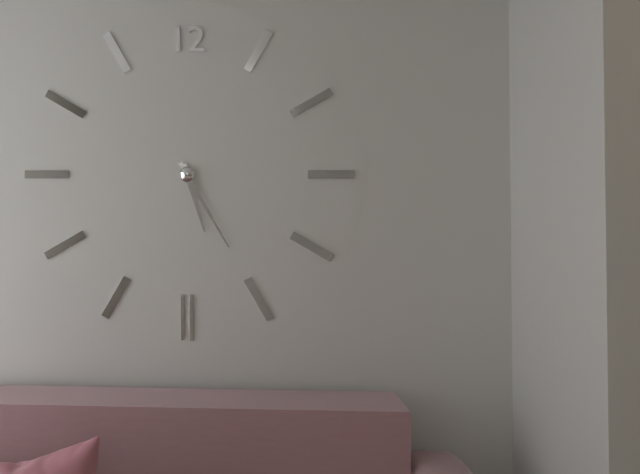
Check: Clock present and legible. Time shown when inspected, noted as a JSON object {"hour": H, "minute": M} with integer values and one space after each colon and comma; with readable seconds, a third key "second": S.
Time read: {"hour": 5, "minute": 25}
